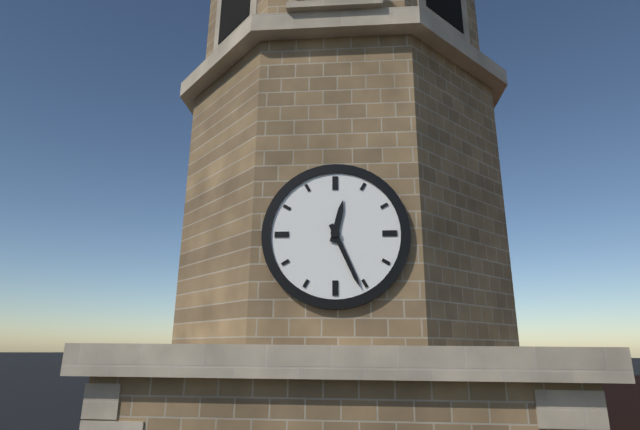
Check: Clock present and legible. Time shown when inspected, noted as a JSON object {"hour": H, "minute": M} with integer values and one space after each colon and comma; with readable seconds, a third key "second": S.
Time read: {"hour": 12, "minute": 26}
